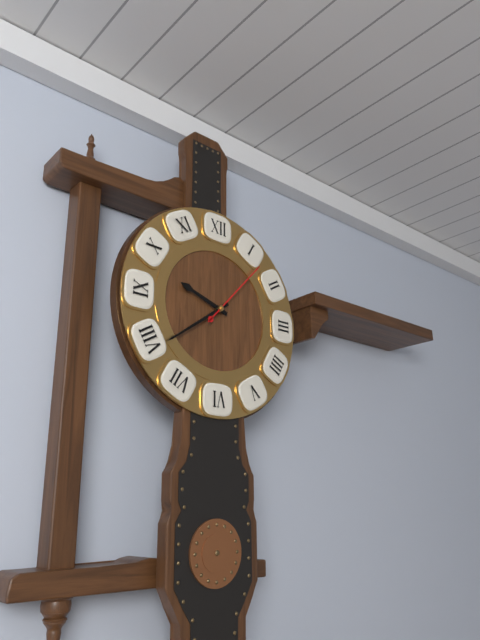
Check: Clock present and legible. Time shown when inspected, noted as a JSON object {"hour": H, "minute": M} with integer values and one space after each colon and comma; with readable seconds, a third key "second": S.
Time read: {"hour": 9, "minute": 39, "second": 7}
